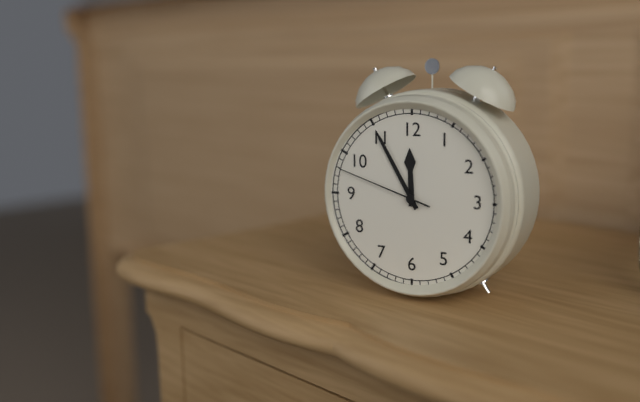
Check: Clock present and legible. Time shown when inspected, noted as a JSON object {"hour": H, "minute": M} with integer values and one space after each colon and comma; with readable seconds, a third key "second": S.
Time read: {"hour": 11, "minute": 55, "second": 48}
